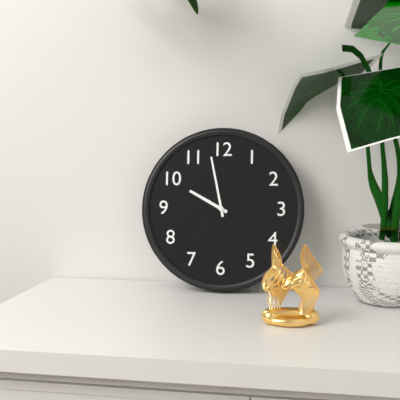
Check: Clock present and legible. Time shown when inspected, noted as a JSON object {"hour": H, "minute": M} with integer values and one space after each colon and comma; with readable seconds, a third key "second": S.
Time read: {"hour": 9, "minute": 58}
